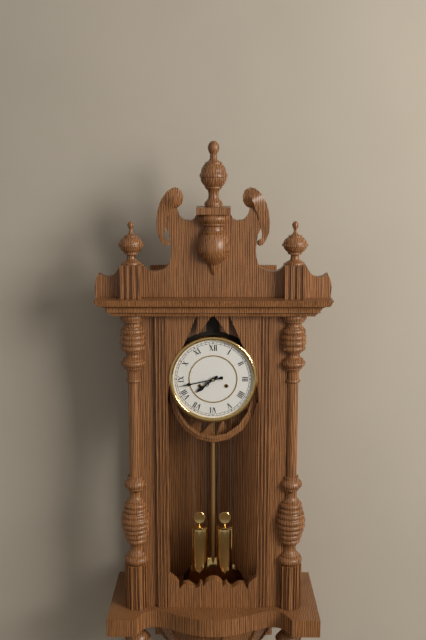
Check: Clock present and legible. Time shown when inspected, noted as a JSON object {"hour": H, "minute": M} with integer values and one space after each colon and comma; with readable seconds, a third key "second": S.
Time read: {"hour": 7, "minute": 43}
